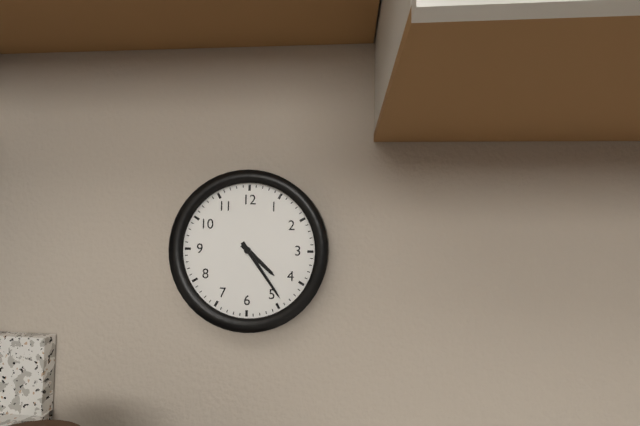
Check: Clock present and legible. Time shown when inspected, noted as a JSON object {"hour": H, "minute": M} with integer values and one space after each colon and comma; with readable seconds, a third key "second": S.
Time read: {"hour": 4, "minute": 24}
